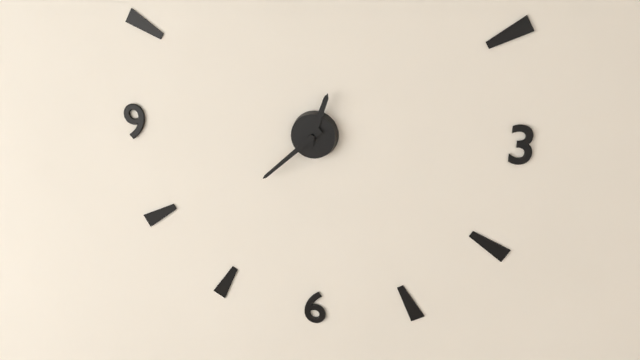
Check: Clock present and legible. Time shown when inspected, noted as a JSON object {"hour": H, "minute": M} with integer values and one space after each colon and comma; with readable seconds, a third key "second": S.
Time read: {"hour": 12, "minute": 38}
